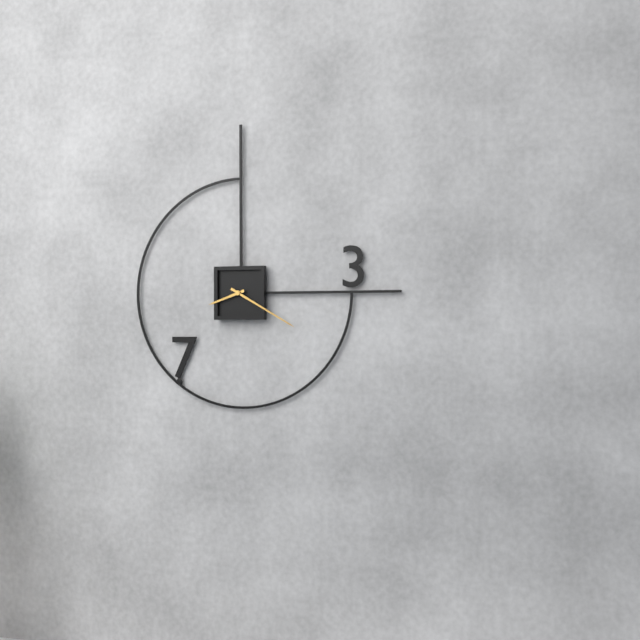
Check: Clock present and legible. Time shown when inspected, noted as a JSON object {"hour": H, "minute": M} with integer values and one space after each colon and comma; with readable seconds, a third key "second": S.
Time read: {"hour": 8, "minute": 20}
